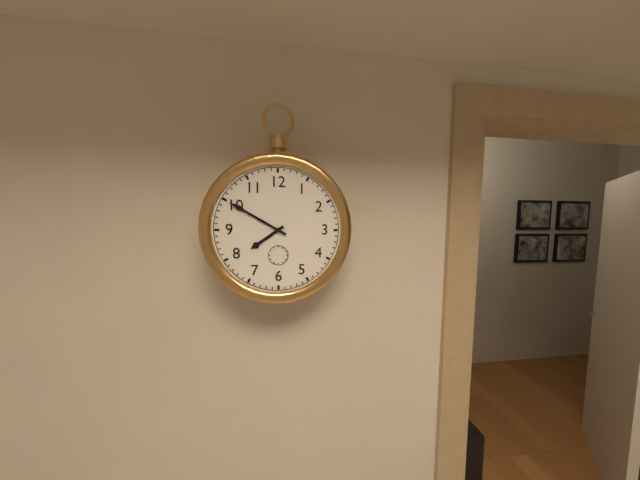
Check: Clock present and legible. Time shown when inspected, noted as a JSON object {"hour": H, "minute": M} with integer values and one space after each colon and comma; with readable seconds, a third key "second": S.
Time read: {"hour": 7, "minute": 50}
